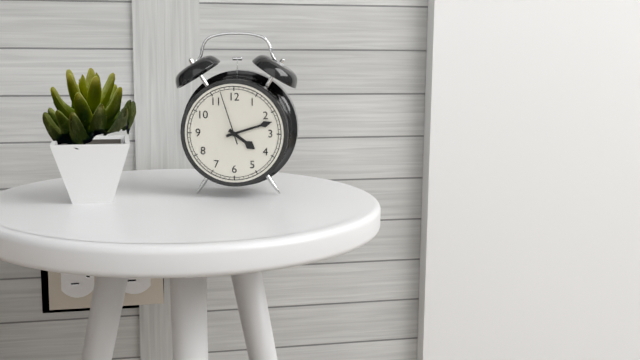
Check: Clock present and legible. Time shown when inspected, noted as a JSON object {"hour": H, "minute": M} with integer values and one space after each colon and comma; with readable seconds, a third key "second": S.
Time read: {"hour": 4, "minute": 12, "second": 57}
